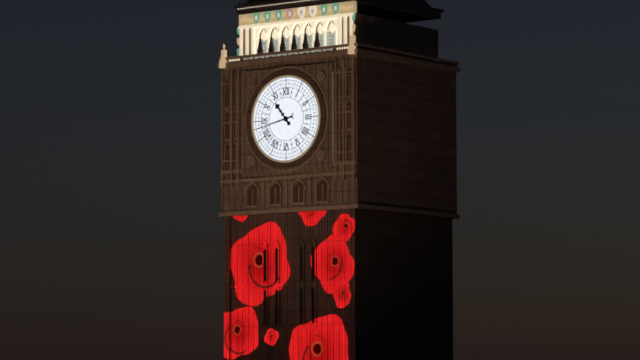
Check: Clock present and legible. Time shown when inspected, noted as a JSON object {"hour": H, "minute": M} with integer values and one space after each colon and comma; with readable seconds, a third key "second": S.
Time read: {"hour": 10, "minute": 43}
